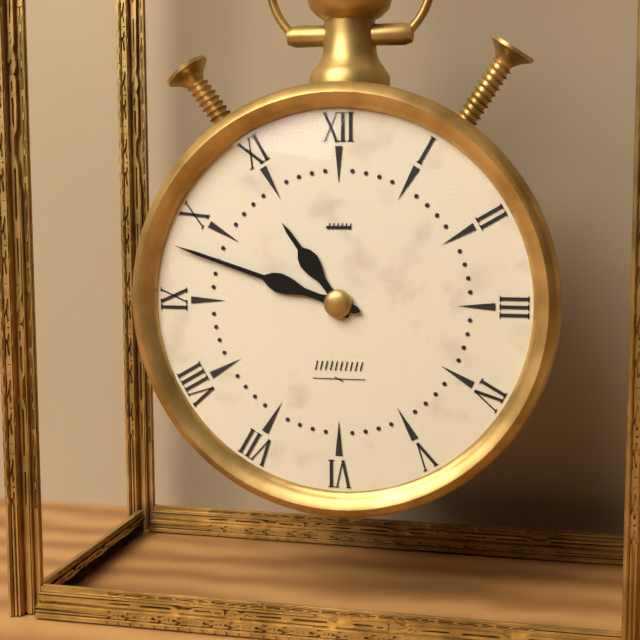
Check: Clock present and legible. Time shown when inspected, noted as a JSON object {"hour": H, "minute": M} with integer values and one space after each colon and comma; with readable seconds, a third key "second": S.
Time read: {"hour": 10, "minute": 48}
